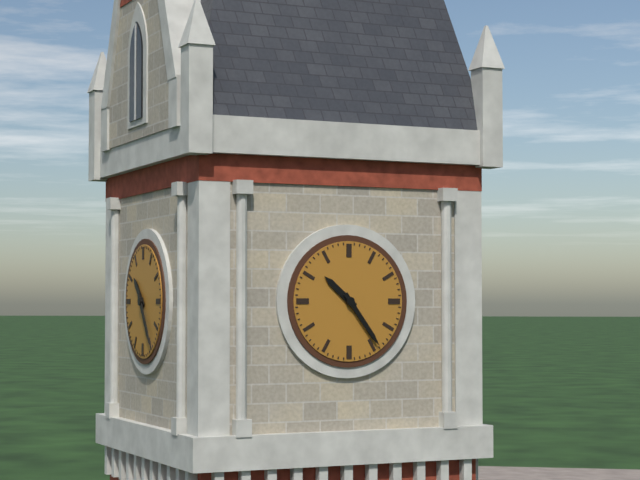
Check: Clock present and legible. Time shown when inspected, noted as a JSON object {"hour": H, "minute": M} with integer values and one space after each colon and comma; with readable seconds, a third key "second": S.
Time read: {"hour": 10, "minute": 24}
